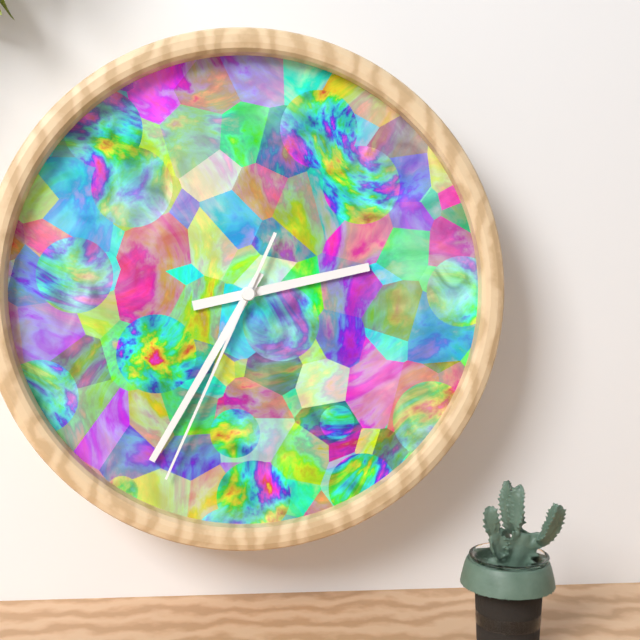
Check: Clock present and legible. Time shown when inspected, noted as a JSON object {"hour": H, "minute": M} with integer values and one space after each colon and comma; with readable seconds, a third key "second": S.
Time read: {"hour": 2, "minute": 35, "second": 34}
